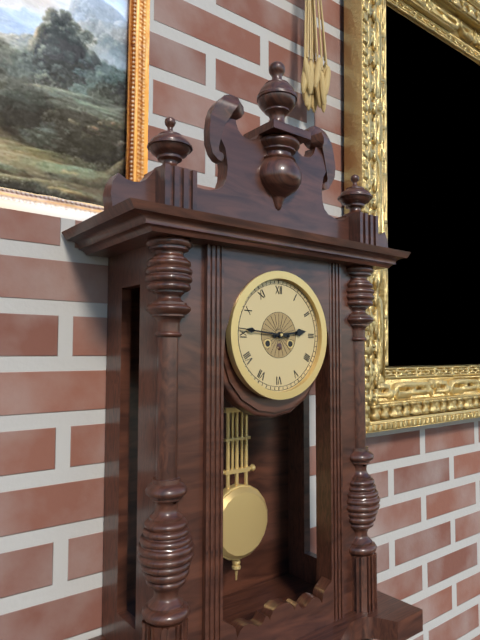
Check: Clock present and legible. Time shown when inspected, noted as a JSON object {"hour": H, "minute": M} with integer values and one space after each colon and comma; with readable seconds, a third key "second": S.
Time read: {"hour": 2, "minute": 46}
